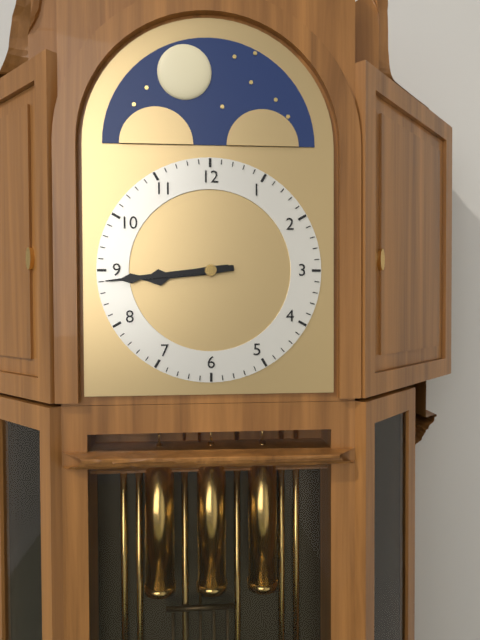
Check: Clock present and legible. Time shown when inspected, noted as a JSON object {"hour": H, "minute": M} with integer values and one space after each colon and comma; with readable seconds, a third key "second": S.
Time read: {"hour": 8, "minute": 44}
